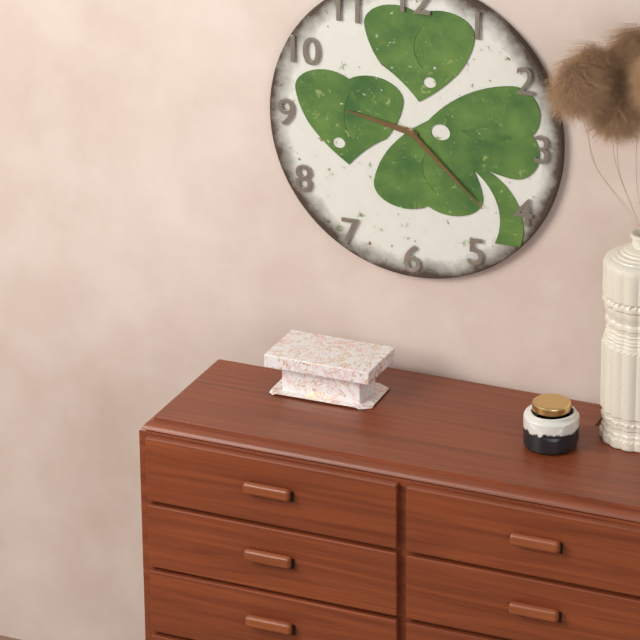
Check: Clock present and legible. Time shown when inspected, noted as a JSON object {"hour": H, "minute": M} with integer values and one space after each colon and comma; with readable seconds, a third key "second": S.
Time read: {"hour": 9, "minute": 22}
